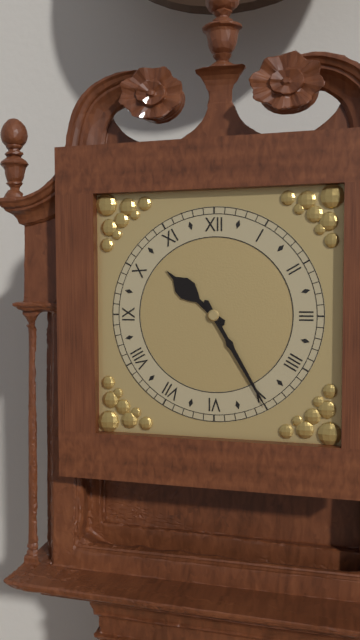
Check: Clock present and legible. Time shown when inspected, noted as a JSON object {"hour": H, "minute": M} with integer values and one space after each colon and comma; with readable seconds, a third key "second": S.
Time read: {"hour": 10, "minute": 25}
